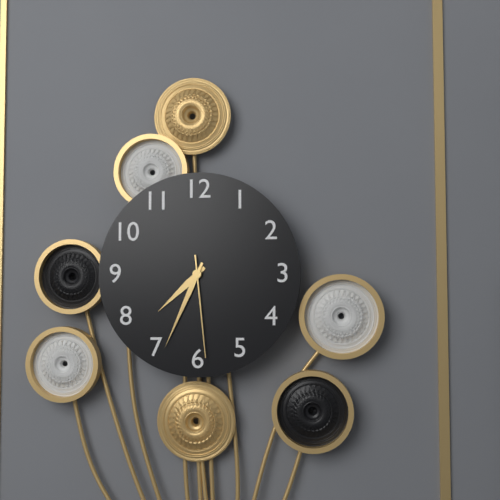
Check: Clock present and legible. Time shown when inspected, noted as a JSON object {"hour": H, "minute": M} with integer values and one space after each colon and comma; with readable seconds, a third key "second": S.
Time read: {"hour": 7, "minute": 34, "second": 29}
